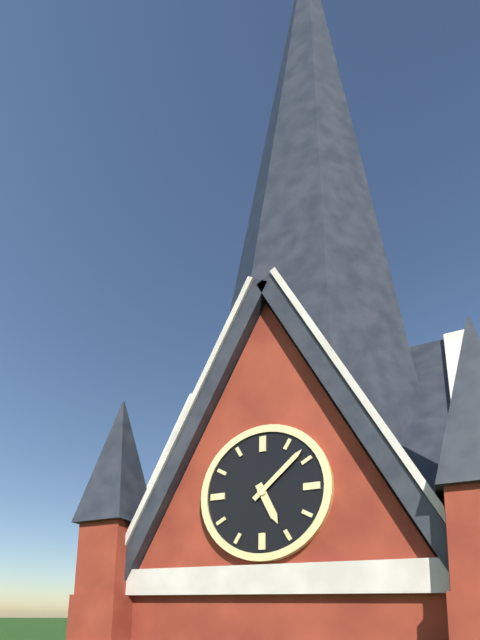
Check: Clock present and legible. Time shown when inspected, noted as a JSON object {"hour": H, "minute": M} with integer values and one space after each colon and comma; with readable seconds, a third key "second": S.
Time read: {"hour": 5, "minute": 8}
